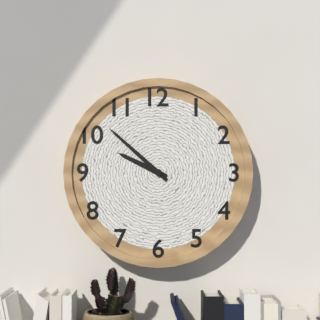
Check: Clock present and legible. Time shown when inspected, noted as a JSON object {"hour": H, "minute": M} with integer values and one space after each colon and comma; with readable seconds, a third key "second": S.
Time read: {"hour": 9, "minute": 52}
